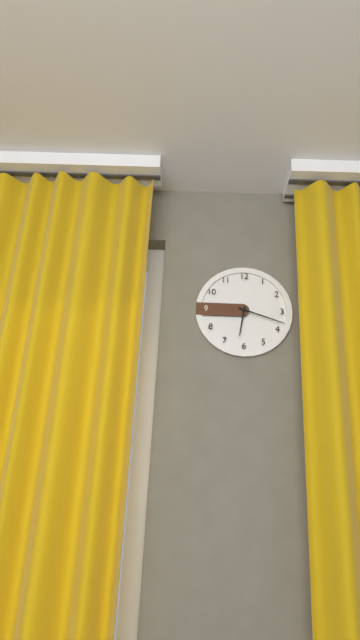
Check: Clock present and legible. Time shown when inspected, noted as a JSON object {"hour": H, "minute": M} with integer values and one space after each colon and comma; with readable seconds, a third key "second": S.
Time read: {"hour": 6, "minute": 18}
